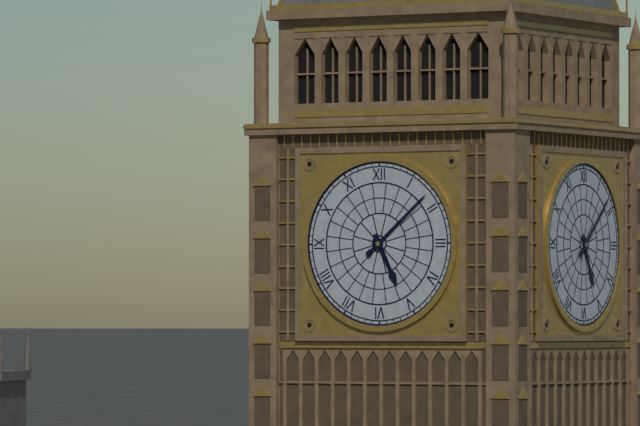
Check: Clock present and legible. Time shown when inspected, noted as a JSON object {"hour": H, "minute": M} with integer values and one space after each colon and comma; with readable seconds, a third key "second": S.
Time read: {"hour": 5, "minute": 8}
